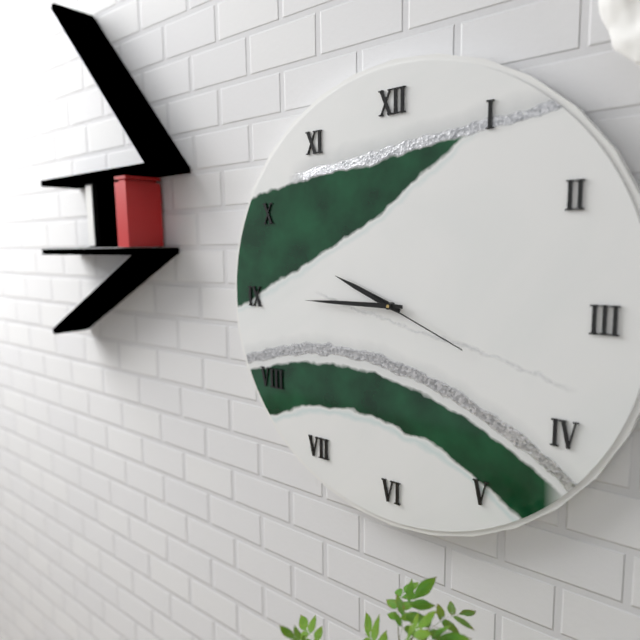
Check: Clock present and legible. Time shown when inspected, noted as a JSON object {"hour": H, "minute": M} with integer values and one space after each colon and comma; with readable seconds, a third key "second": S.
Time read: {"hour": 9, "minute": 45, "second": 19}
